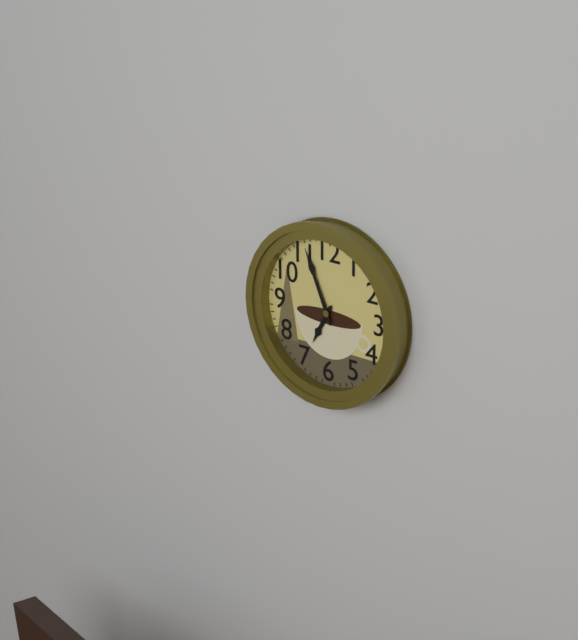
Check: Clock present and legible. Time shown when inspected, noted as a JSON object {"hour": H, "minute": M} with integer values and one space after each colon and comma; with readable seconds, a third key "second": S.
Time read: {"hour": 6, "minute": 56}
